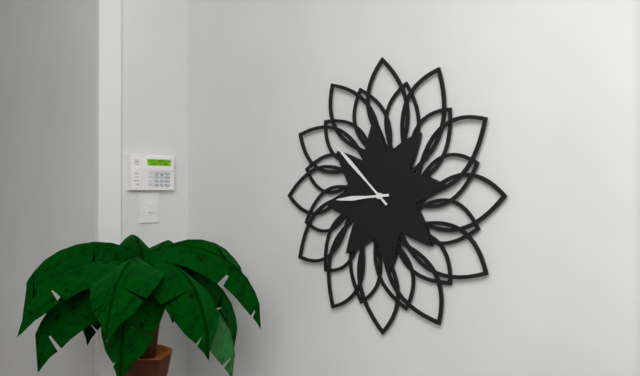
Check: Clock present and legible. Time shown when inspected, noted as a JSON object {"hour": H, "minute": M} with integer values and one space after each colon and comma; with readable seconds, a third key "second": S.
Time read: {"hour": 8, "minute": 52}
